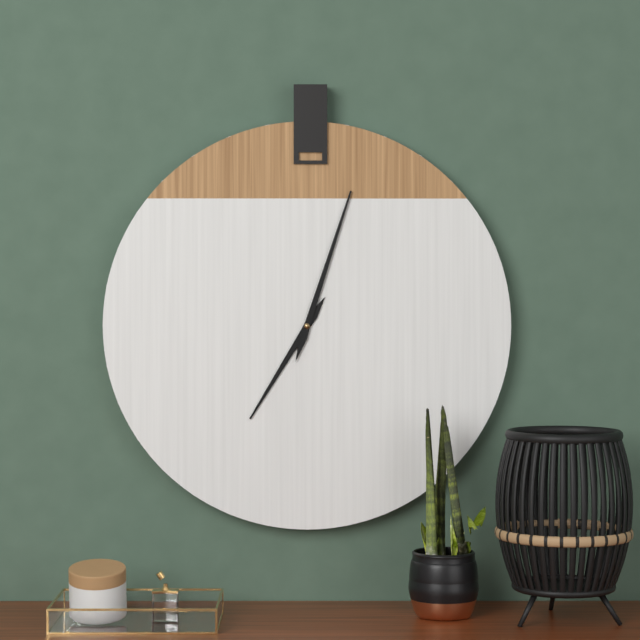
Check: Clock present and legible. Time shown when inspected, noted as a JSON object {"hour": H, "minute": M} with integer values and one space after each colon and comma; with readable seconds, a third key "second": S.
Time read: {"hour": 7, "minute": 3}
